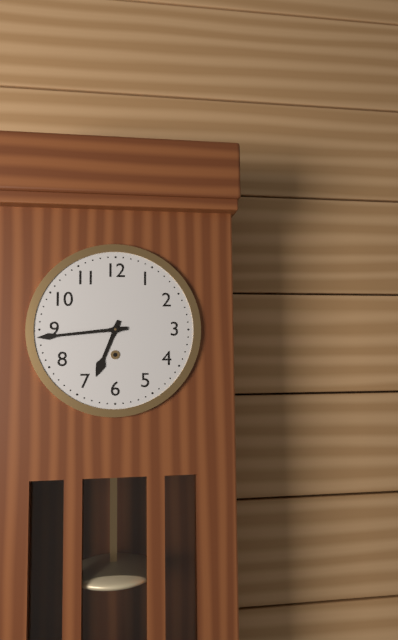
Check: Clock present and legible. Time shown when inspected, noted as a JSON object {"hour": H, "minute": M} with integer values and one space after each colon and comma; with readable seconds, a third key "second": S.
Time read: {"hour": 6, "minute": 44}
